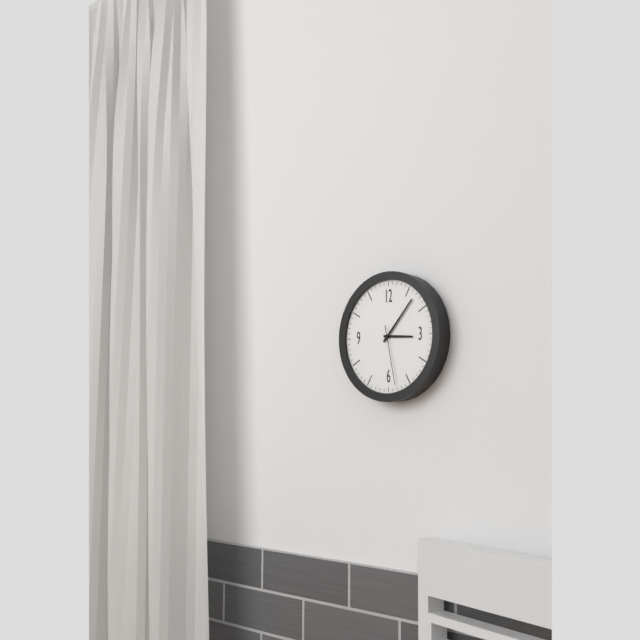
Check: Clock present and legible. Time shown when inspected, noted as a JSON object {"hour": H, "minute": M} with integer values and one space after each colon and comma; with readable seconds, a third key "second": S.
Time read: {"hour": 3, "minute": 7, "second": 28}
